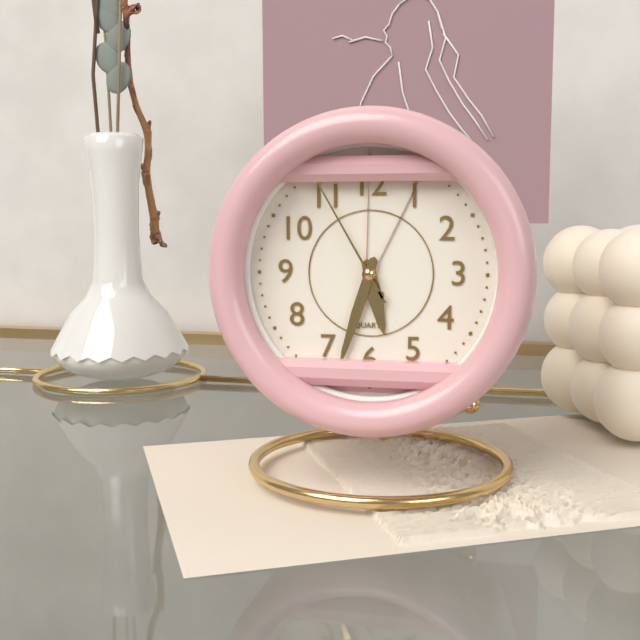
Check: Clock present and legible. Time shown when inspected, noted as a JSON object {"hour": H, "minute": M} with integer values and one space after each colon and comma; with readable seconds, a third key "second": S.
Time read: {"hour": 5, "minute": 33, "second": 55}
